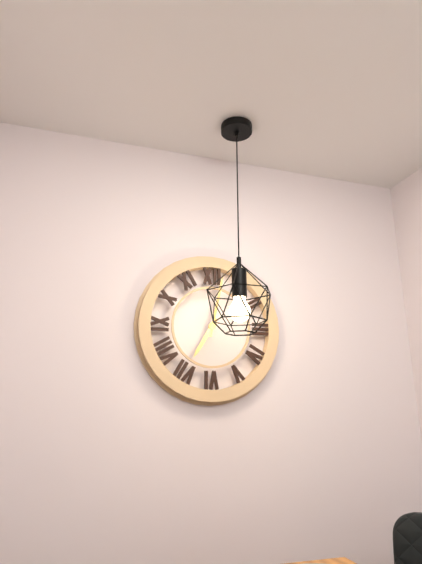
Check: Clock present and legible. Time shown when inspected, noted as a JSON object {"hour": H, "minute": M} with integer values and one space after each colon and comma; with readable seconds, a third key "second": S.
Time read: {"hour": 7, "minute": 2}
